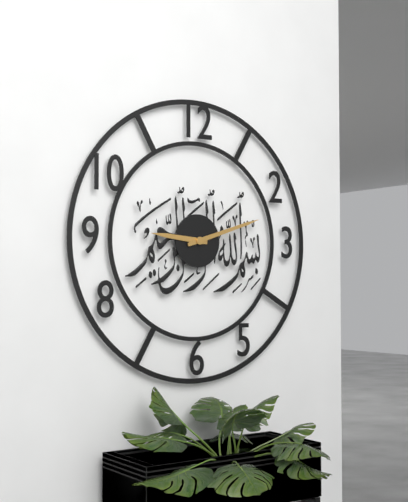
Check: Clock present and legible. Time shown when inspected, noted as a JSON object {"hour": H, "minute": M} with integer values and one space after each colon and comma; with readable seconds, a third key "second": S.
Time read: {"hour": 9, "minute": 12}
